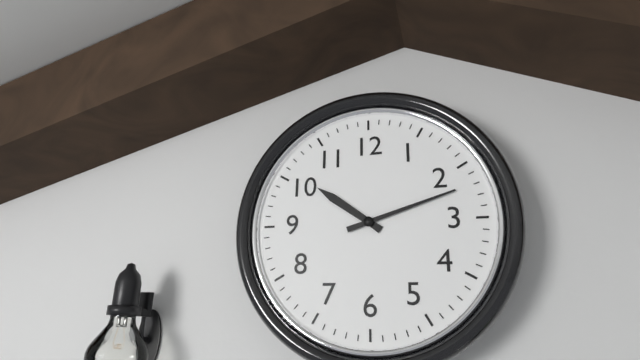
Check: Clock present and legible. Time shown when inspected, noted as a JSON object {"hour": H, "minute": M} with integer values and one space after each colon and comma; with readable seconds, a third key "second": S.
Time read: {"hour": 10, "minute": 12}
